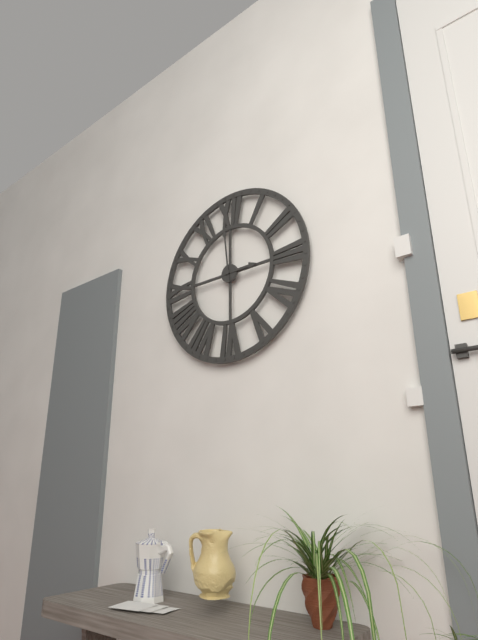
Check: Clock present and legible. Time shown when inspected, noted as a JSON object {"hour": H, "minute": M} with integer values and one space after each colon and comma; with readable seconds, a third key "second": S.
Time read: {"hour": 2, "minute": 59}
